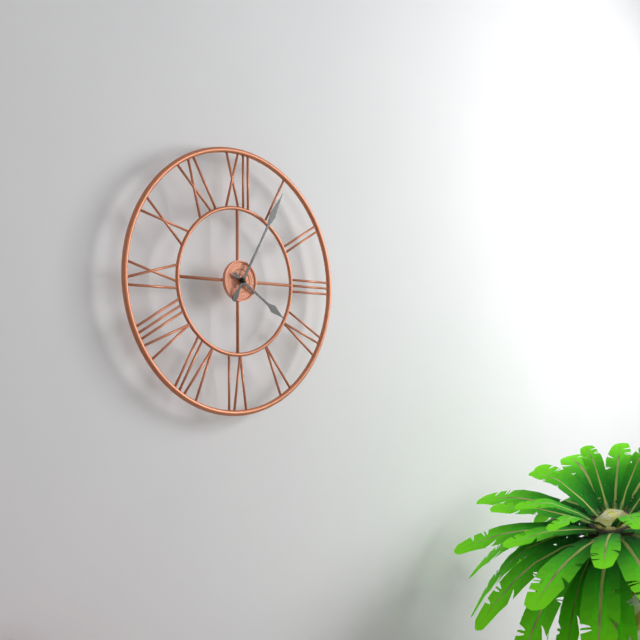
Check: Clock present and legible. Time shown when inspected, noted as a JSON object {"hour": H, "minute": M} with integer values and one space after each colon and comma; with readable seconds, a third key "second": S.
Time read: {"hour": 4, "minute": 5}
